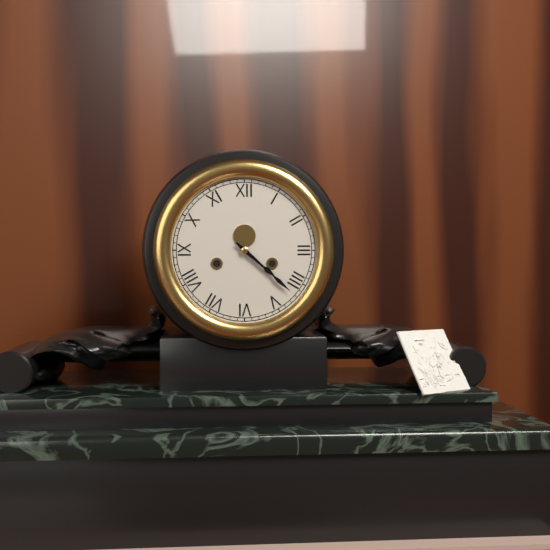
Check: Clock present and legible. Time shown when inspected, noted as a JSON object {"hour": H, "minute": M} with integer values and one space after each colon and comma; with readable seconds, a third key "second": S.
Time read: {"hour": 4, "minute": 22}
